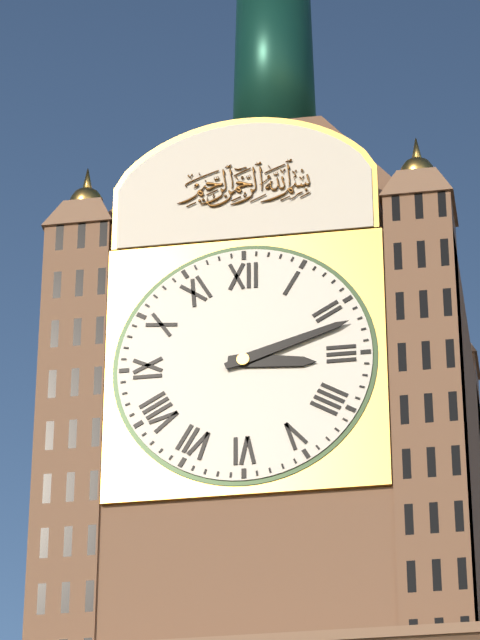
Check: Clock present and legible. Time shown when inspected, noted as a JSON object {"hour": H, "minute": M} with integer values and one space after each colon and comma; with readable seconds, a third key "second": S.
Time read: {"hour": 3, "minute": 12}
